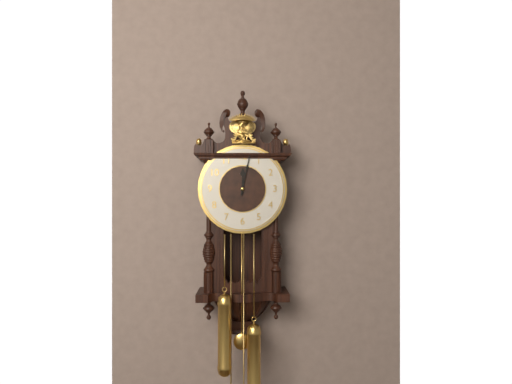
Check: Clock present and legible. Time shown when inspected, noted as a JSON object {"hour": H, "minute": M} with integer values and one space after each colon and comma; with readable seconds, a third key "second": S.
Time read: {"hour": 12, "minute": 2}
